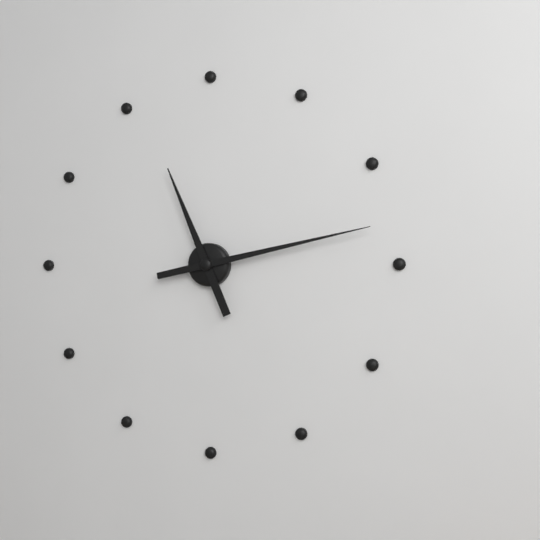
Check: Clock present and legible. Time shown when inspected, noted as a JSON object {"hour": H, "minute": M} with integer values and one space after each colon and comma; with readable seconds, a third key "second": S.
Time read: {"hour": 11, "minute": 13}
